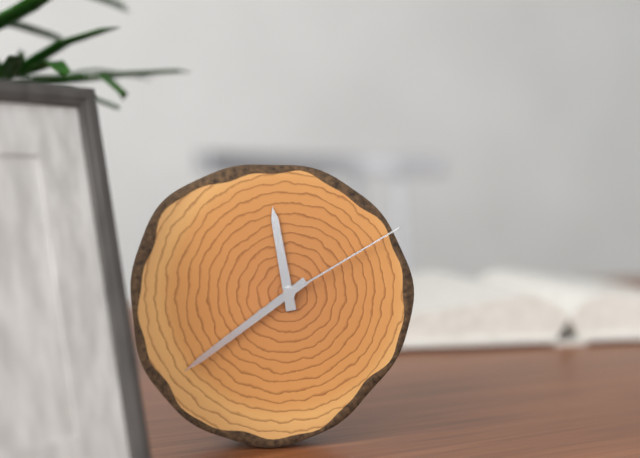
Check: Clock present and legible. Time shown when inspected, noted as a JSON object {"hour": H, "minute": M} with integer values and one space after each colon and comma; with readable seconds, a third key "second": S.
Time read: {"hour": 11, "minute": 39, "second": 10}
